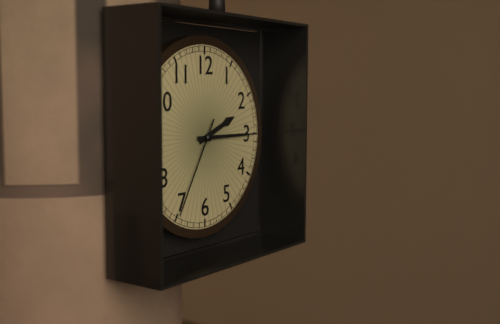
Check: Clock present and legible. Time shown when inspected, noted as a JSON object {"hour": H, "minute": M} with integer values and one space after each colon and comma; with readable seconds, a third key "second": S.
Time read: {"hour": 2, "minute": 15, "second": 35}
